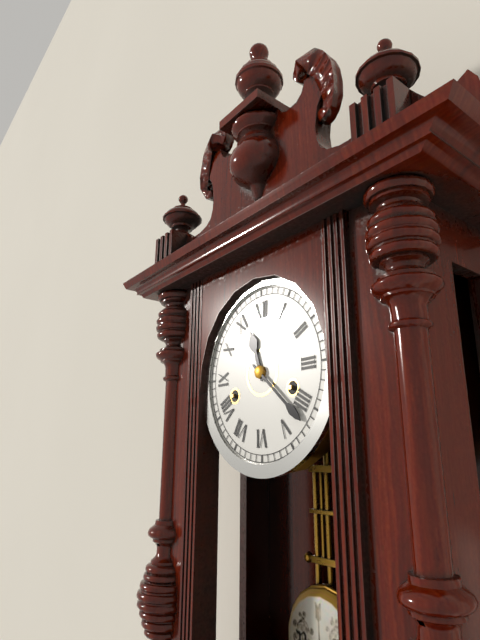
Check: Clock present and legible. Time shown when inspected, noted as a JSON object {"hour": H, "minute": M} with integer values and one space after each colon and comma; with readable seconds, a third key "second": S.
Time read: {"hour": 11, "minute": 22}
